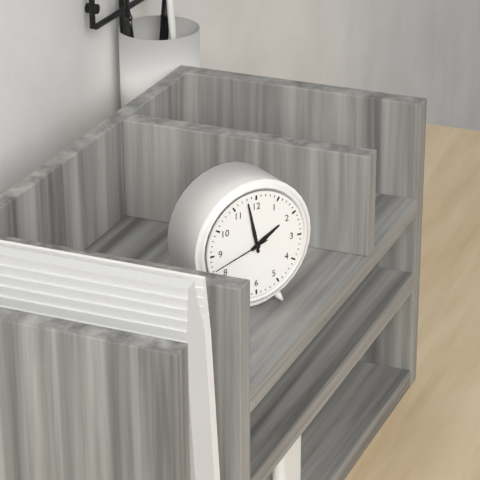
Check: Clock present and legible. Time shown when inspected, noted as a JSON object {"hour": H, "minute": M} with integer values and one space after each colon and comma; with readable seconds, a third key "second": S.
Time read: {"hour": 1, "minute": 58, "second": 42}
